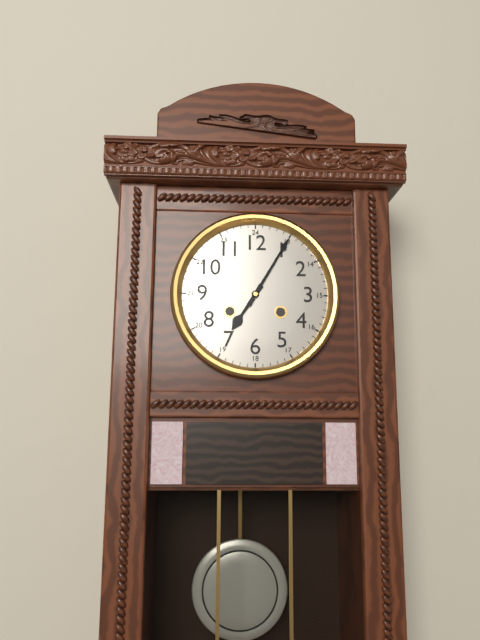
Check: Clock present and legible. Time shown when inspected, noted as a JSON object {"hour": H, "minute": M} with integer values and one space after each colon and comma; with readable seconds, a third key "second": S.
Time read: {"hour": 7, "minute": 5}
